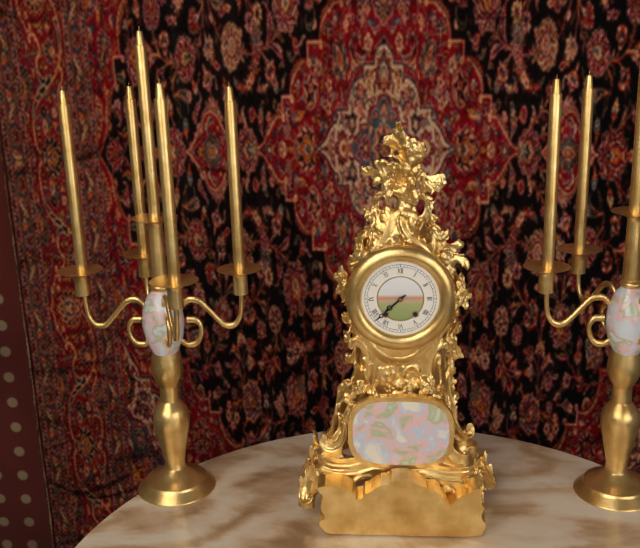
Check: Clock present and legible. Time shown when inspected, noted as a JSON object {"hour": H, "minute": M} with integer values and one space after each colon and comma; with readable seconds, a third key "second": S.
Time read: {"hour": 7, "minute": 38}
